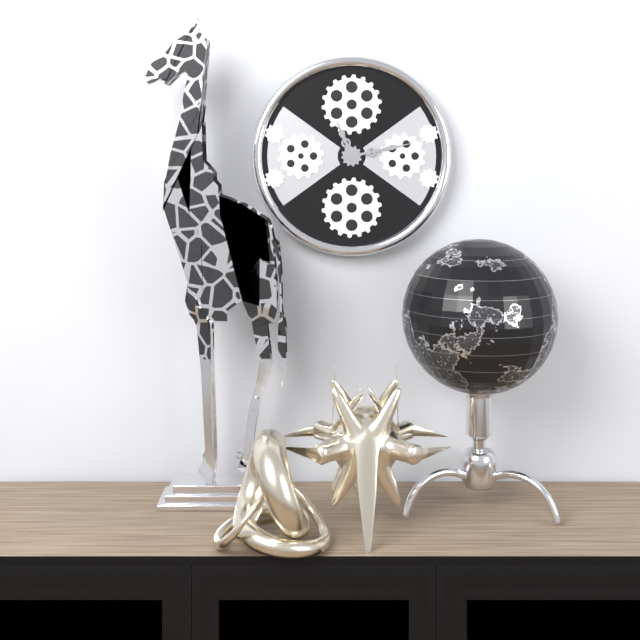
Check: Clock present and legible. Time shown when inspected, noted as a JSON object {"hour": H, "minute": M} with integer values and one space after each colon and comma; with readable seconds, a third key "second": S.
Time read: {"hour": 11, "minute": 13}
